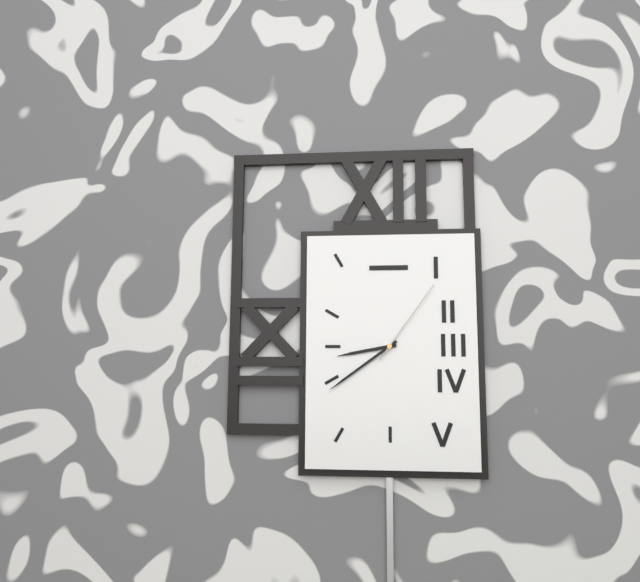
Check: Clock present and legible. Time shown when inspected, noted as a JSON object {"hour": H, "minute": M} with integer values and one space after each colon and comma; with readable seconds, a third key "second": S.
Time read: {"hour": 8, "minute": 39, "second": 6}
